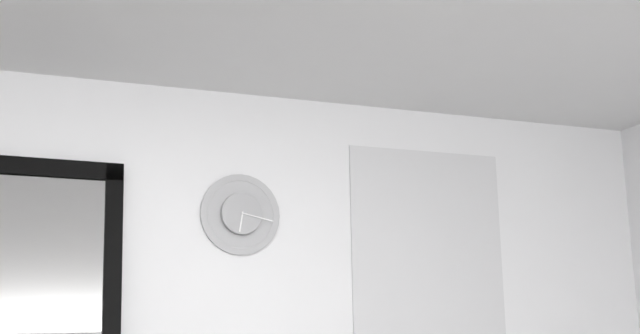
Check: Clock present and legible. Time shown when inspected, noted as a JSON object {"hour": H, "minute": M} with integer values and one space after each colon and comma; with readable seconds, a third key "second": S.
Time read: {"hour": 6, "minute": 17}
